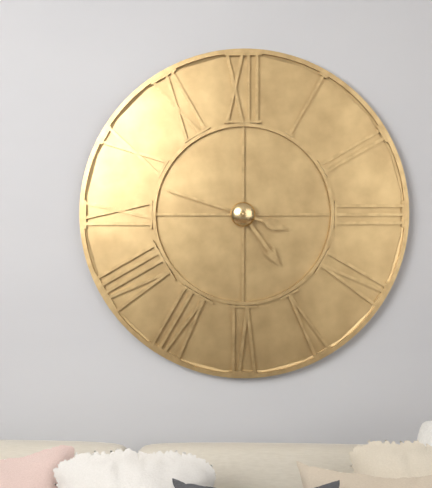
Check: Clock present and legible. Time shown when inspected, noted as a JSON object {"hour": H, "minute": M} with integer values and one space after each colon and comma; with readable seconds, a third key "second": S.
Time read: {"hour": 4, "minute": 48}
